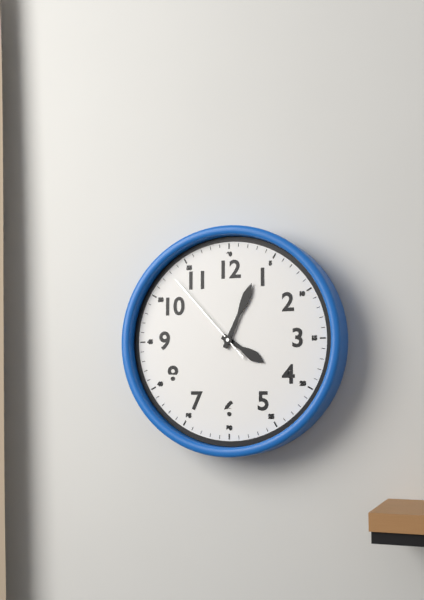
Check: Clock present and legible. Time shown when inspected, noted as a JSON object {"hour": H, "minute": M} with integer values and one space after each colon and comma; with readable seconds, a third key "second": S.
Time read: {"hour": 4, "minute": 4, "second": 53}
